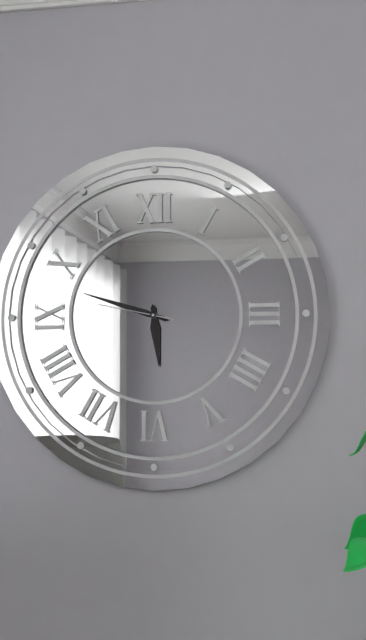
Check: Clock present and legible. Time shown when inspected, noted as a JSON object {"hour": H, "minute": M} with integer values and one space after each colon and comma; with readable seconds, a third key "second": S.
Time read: {"hour": 5, "minute": 48, "second": 47}
